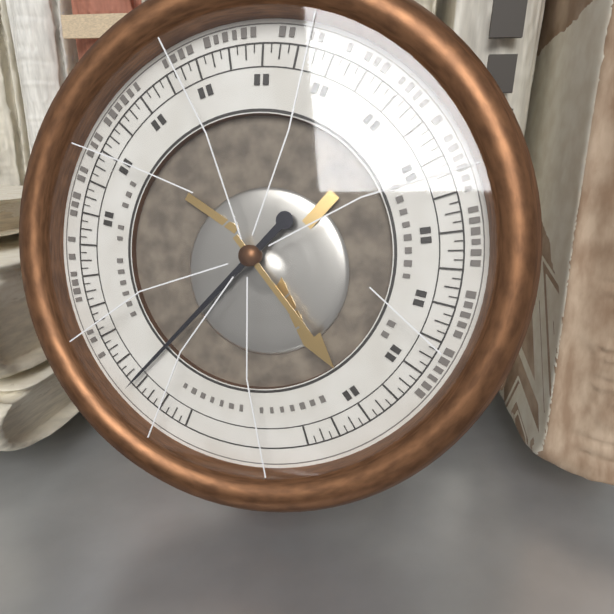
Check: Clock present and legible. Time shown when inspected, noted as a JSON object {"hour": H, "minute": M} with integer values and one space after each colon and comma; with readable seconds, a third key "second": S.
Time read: {"hour": 4, "minute": 37}
